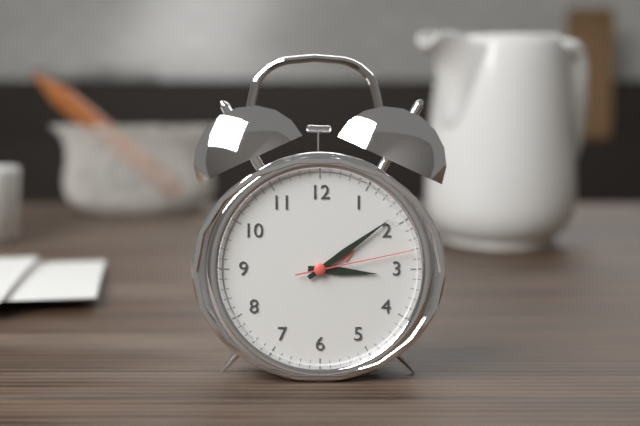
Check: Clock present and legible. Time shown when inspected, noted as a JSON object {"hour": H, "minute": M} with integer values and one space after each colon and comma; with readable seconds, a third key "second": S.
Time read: {"hour": 3, "minute": 9, "second": 13}
